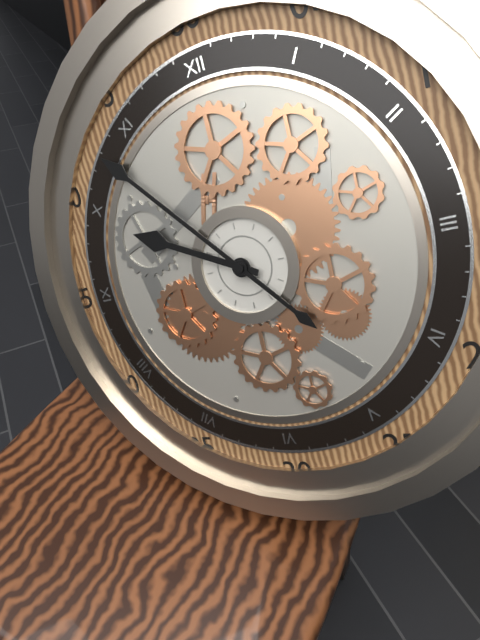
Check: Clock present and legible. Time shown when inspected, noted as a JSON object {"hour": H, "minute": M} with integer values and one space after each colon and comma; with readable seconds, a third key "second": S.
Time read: {"hour": 9, "minute": 53}
